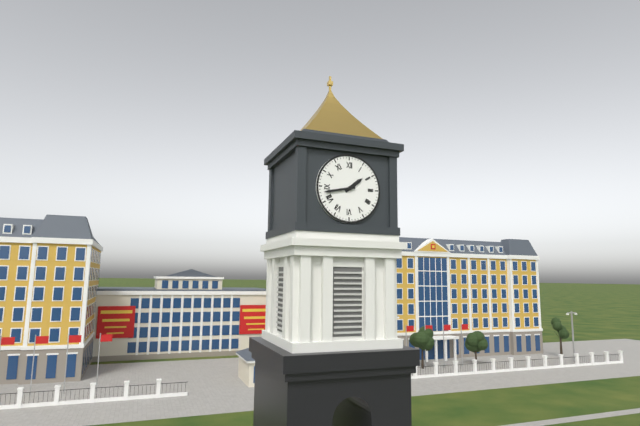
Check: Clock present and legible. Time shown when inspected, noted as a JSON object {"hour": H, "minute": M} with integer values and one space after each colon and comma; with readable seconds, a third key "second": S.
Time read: {"hour": 1, "minute": 43}
